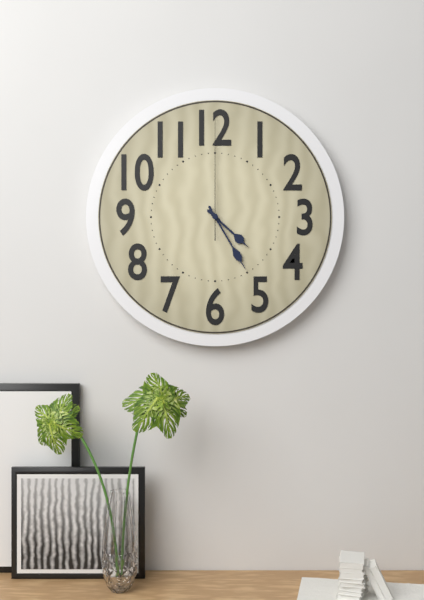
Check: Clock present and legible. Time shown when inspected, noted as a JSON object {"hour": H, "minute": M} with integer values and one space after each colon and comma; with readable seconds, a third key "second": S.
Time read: {"hour": 4, "minute": 25, "second": 0}
